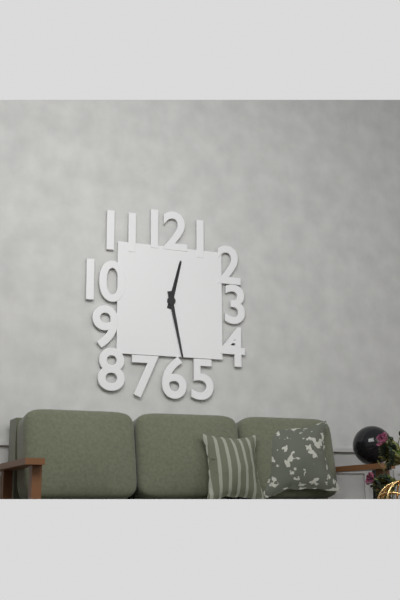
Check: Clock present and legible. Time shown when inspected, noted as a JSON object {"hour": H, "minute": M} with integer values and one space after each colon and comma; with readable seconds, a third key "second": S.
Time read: {"hour": 12, "minute": 28}
